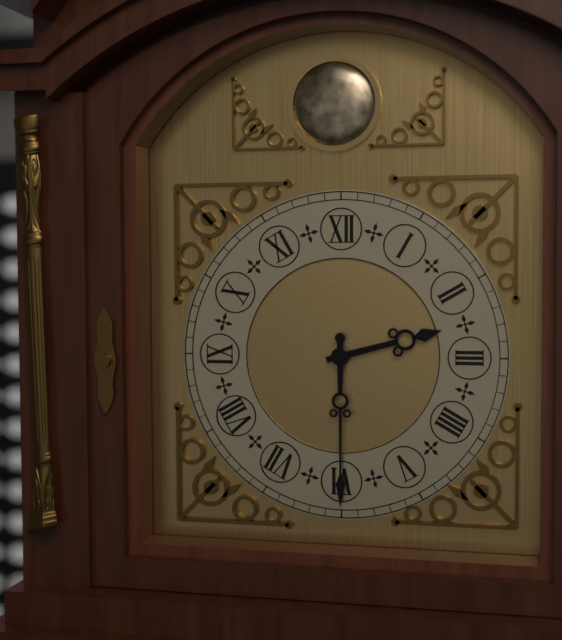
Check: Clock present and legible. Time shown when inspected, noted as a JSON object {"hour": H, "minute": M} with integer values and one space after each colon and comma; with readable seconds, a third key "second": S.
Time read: {"hour": 2, "minute": 30}
